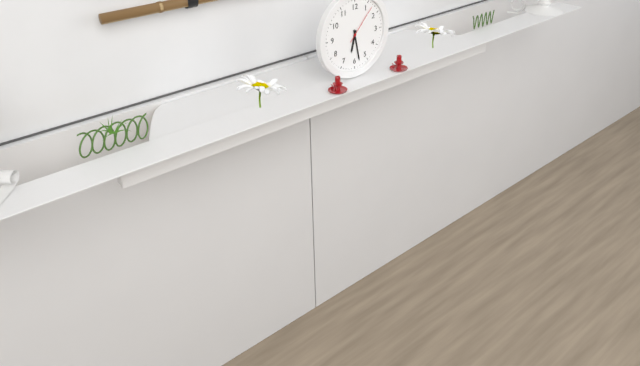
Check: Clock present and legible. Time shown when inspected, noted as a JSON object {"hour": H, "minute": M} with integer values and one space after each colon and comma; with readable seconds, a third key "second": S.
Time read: {"hour": 6, "minute": 28}
